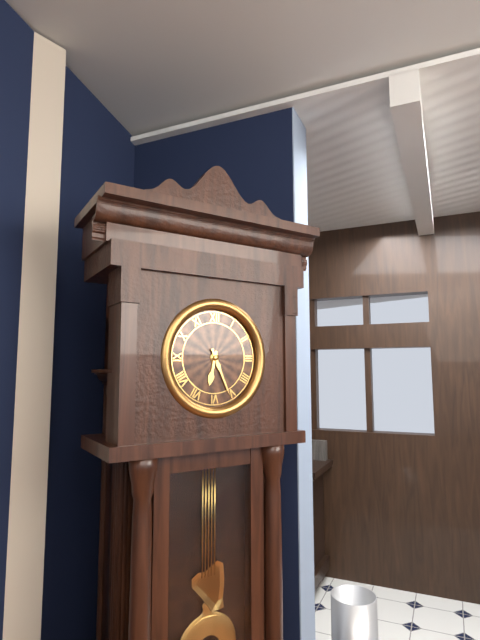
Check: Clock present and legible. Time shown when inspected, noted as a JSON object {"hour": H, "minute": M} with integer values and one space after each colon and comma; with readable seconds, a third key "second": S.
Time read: {"hour": 6, "minute": 26}
